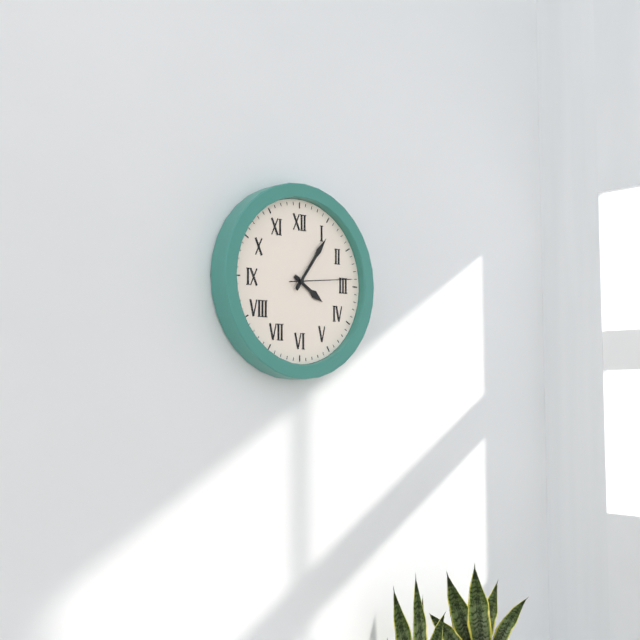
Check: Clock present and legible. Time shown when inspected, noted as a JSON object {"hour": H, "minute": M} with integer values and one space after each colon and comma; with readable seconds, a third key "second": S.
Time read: {"hour": 4, "minute": 6, "second": 14}
